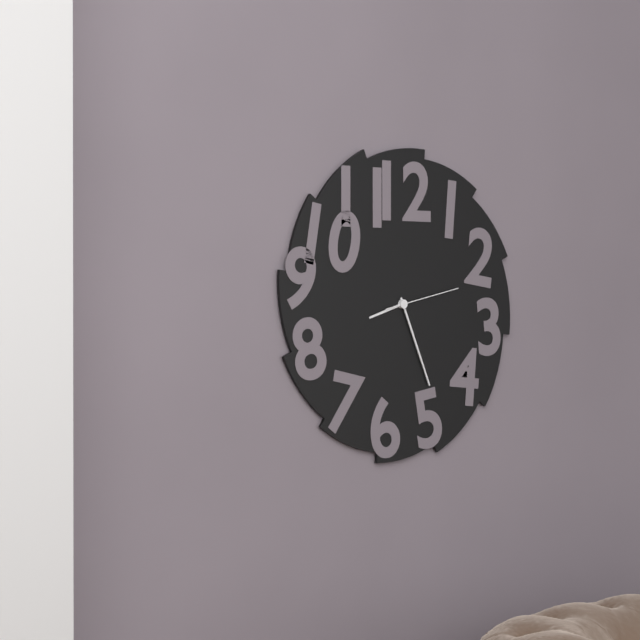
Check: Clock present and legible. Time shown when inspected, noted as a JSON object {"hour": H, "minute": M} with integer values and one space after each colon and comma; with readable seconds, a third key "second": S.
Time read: {"hour": 8, "minute": 26, "second": 13}
